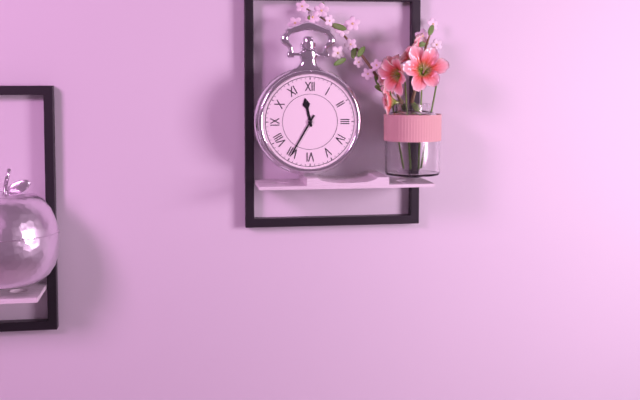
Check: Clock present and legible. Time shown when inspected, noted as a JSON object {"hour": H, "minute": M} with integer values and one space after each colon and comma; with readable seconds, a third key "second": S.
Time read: {"hour": 11, "minute": 35}
